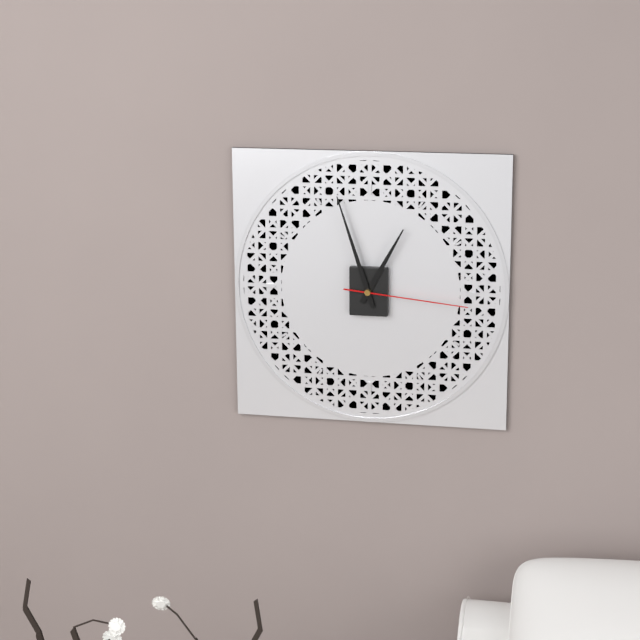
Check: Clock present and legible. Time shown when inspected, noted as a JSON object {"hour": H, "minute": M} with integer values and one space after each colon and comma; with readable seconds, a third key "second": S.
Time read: {"hour": 12, "minute": 57, "second": 16}
